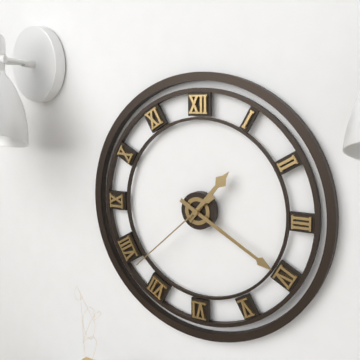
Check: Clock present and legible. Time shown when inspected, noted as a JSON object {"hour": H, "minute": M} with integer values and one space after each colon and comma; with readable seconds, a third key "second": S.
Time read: {"hour": 1, "minute": 20, "second": 38}
